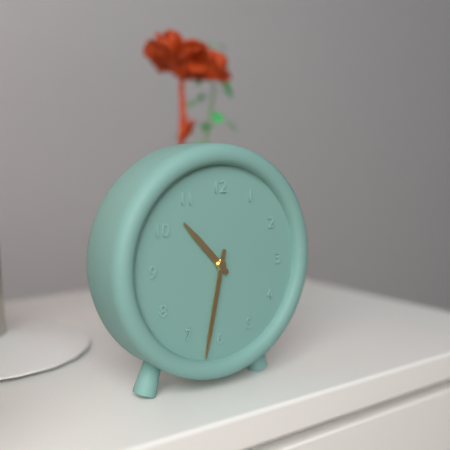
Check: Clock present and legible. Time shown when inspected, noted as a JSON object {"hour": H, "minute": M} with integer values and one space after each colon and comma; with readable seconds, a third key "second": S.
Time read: {"hour": 10, "minute": 32}
